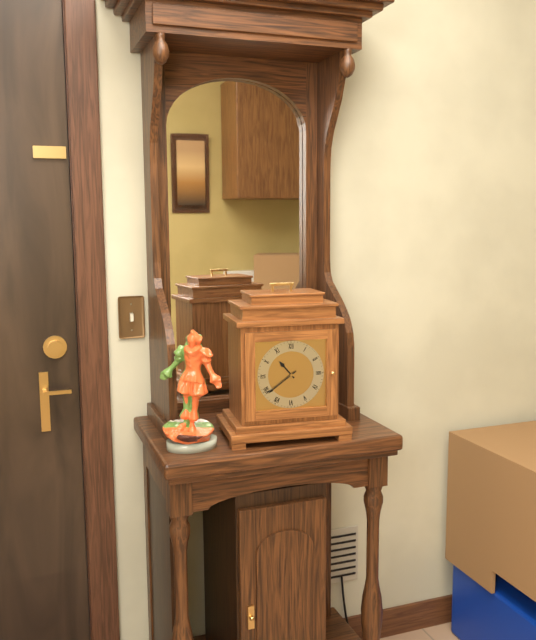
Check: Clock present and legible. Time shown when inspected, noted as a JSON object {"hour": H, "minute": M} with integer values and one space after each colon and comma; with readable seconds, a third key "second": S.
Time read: {"hour": 10, "minute": 39}
